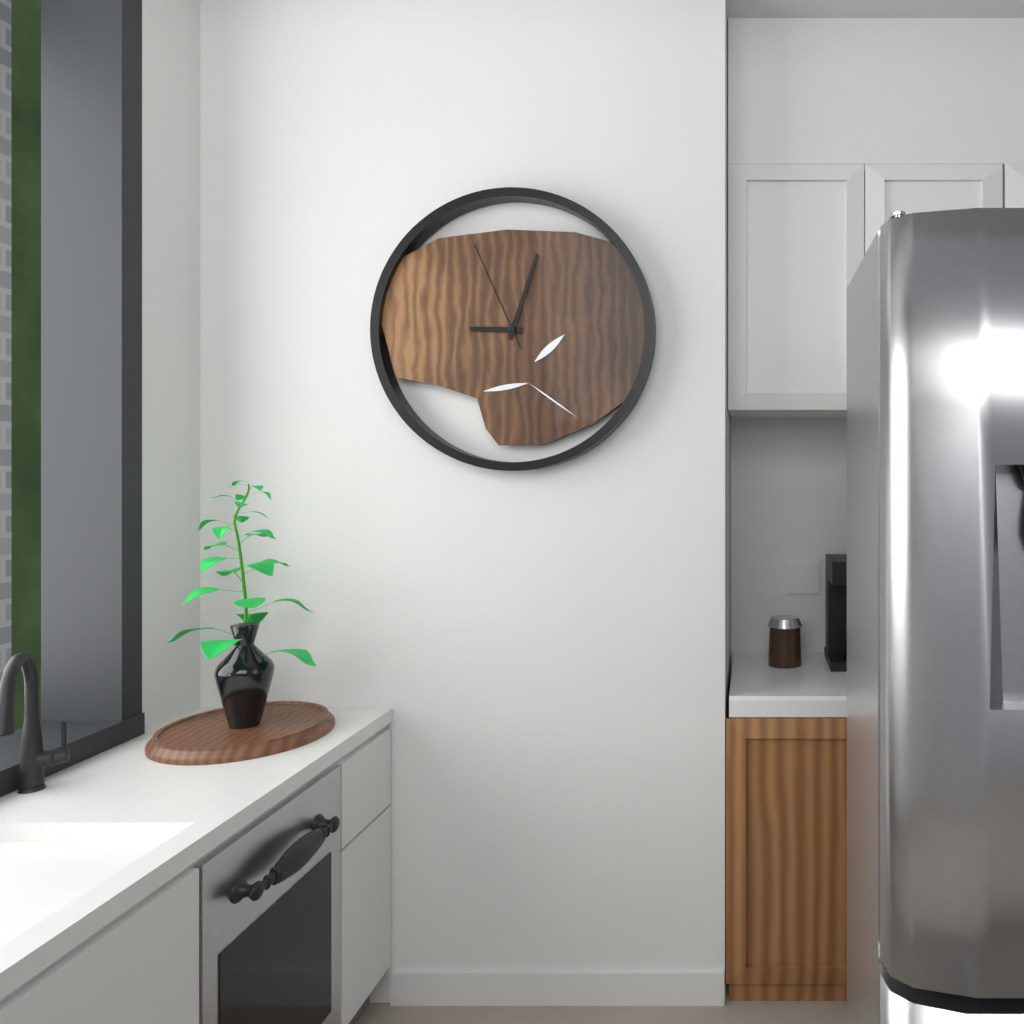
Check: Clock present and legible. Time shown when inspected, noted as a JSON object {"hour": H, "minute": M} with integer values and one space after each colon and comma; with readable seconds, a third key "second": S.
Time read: {"hour": 9, "minute": 3, "second": 56}
